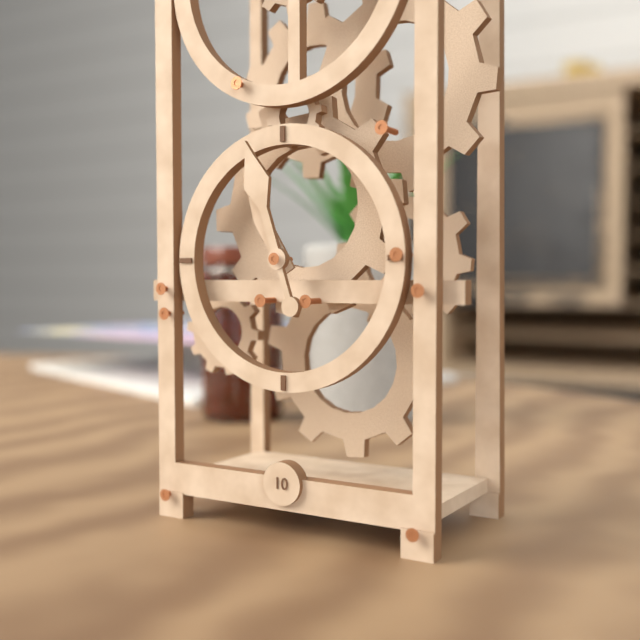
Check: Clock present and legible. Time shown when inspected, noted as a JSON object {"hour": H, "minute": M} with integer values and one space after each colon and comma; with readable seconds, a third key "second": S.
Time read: {"hour": 10, "minute": 57}
